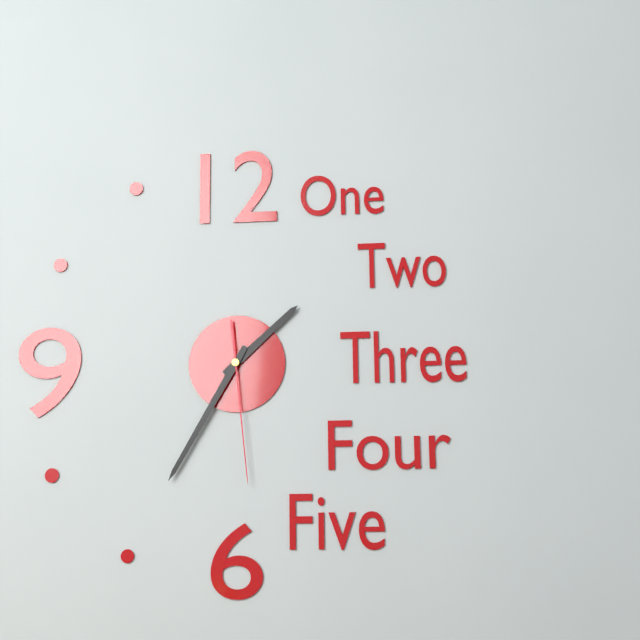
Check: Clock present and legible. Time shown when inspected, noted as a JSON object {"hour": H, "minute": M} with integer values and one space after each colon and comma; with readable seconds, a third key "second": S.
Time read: {"hour": 1, "minute": 35, "second": 29}
